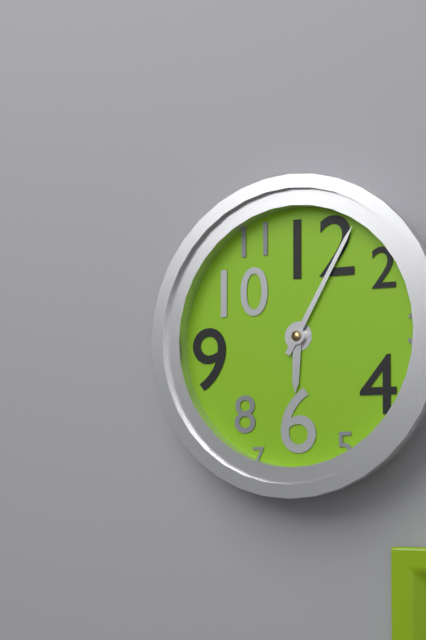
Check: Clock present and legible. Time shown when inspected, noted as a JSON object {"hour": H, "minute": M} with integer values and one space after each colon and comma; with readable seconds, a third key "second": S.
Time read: {"hour": 6, "minute": 5}
